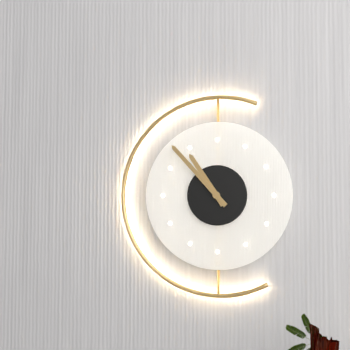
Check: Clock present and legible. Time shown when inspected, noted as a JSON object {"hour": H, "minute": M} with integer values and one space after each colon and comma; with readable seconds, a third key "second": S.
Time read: {"hour": 10, "minute": 53}
